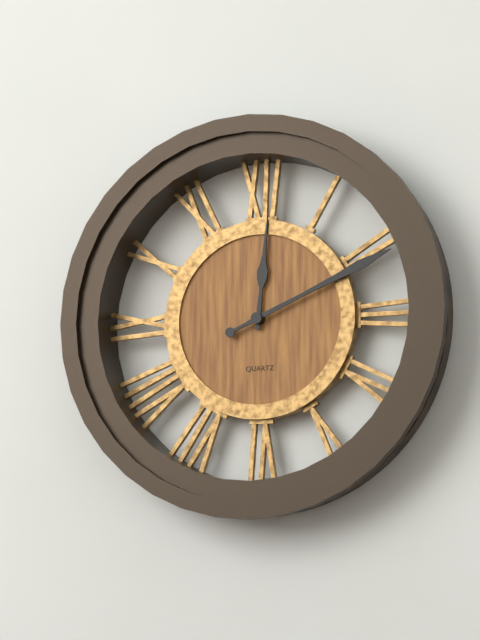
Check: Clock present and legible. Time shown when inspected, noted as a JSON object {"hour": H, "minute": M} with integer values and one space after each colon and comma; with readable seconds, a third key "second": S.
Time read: {"hour": 12, "minute": 11}
